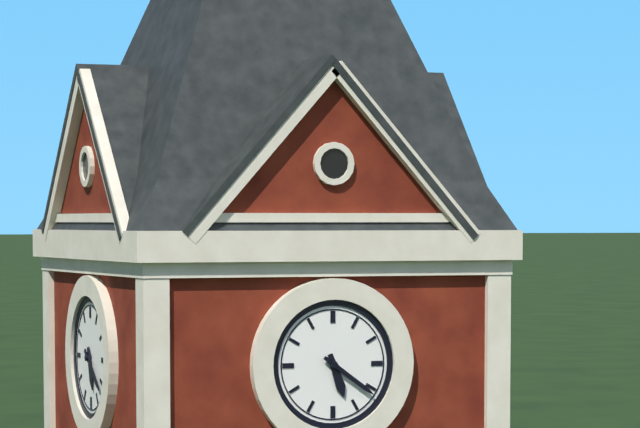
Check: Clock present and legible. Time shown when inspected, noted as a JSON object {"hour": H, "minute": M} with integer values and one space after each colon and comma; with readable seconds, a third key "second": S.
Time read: {"hour": 5, "minute": 21}
